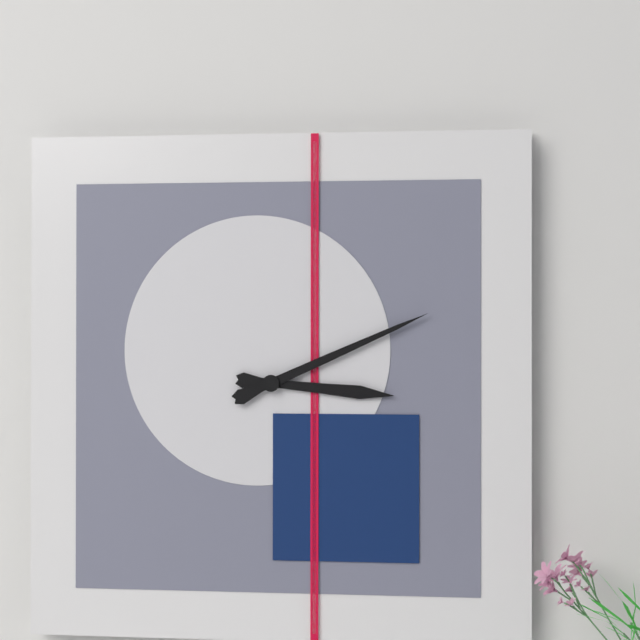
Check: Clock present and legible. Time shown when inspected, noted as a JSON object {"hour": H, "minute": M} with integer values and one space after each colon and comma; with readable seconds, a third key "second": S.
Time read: {"hour": 3, "minute": 11}
